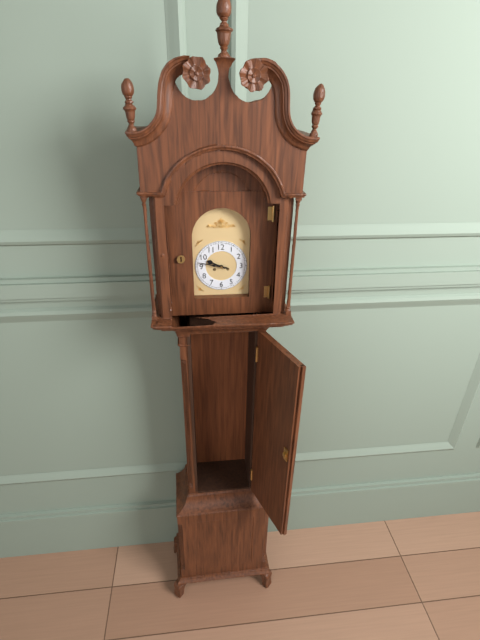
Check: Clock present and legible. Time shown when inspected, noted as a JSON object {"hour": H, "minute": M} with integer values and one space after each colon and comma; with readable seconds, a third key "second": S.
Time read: {"hour": 9, "minute": 47}
